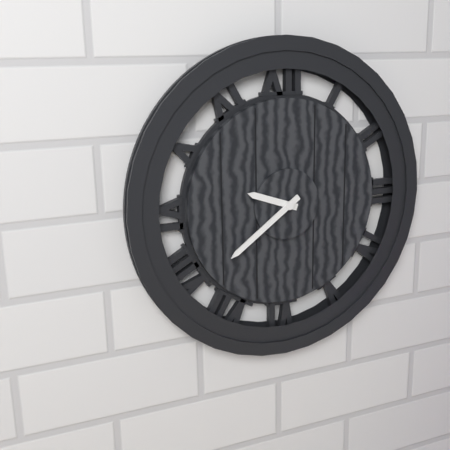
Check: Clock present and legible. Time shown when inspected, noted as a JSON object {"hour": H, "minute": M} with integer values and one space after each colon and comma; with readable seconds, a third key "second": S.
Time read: {"hour": 9, "minute": 39}
